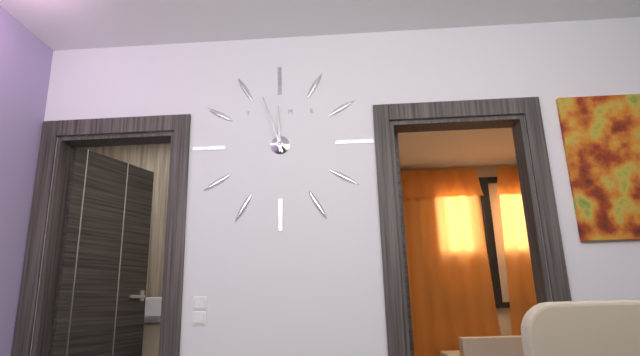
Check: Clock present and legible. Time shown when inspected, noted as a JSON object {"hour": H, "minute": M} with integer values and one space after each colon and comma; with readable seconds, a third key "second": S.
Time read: {"hour": 11, "minute": 57}
